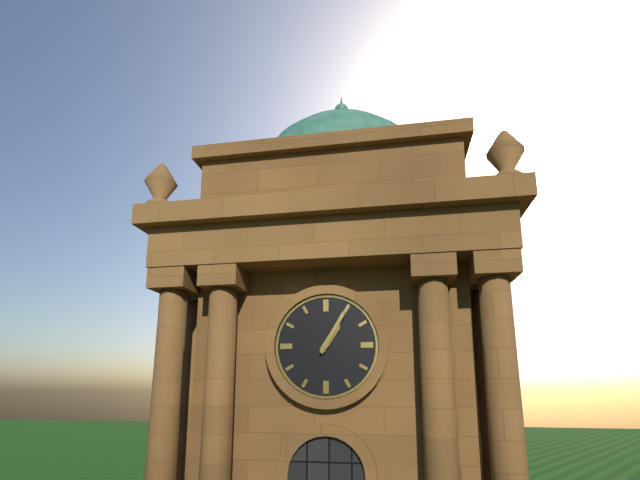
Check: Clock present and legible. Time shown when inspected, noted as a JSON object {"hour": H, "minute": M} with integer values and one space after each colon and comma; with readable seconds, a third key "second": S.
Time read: {"hour": 1, "minute": 5}
